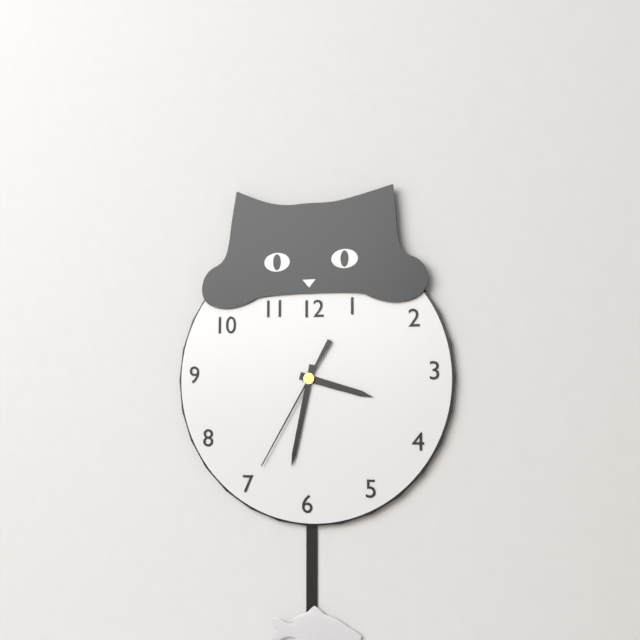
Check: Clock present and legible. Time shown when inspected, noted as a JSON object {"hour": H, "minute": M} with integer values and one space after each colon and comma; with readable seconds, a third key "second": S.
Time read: {"hour": 3, "minute": 32, "second": 35}
